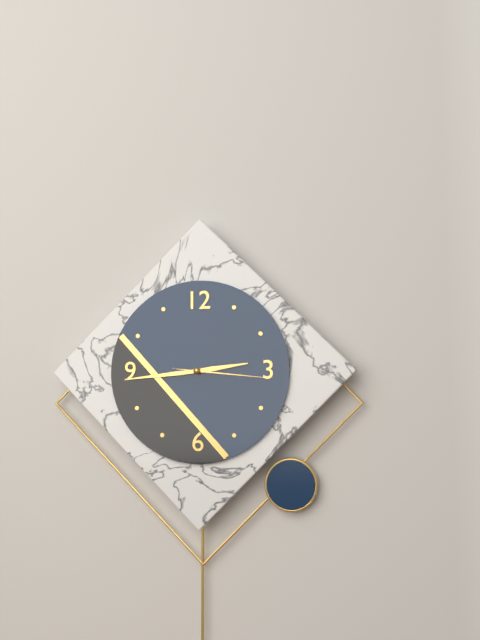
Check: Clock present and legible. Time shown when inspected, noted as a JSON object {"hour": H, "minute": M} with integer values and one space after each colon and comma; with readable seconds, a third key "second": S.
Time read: {"hour": 2, "minute": 44, "second": 16}
